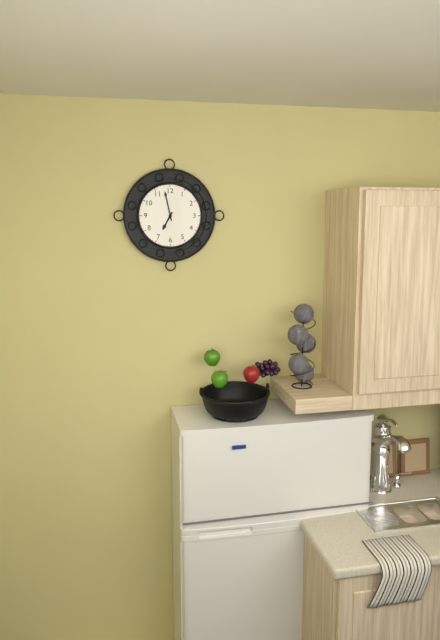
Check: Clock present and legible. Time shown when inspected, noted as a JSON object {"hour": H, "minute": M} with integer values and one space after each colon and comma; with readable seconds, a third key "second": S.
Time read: {"hour": 6, "minute": 58}
